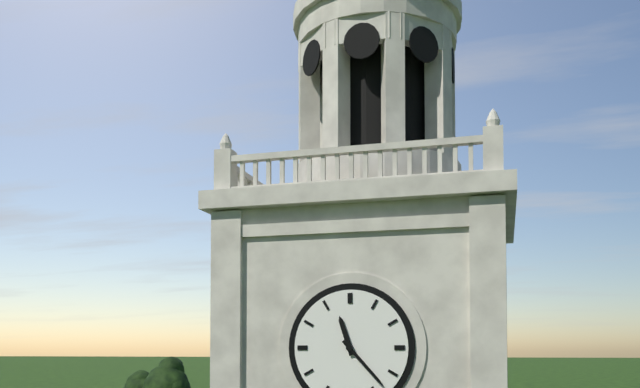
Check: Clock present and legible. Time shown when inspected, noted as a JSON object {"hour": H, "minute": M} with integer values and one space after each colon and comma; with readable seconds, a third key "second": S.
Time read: {"hour": 11, "minute": 23}
